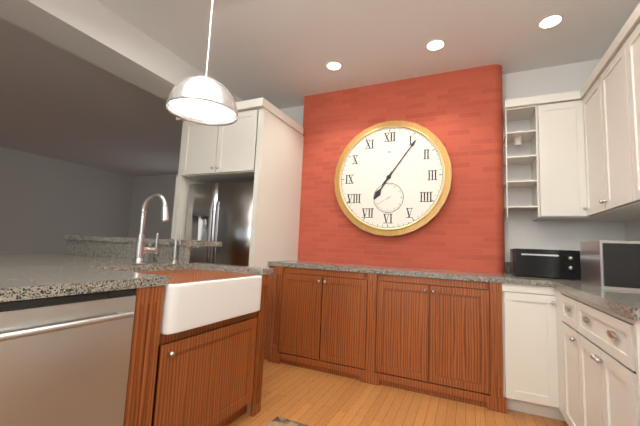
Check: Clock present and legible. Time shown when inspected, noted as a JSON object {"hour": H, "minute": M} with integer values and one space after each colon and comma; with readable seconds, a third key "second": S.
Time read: {"hour": 7, "minute": 6}
